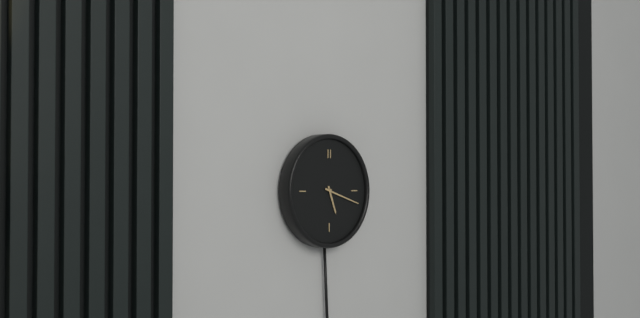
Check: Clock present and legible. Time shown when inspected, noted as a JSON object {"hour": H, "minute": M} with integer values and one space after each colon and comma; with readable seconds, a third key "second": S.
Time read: {"hour": 5, "minute": 18}
